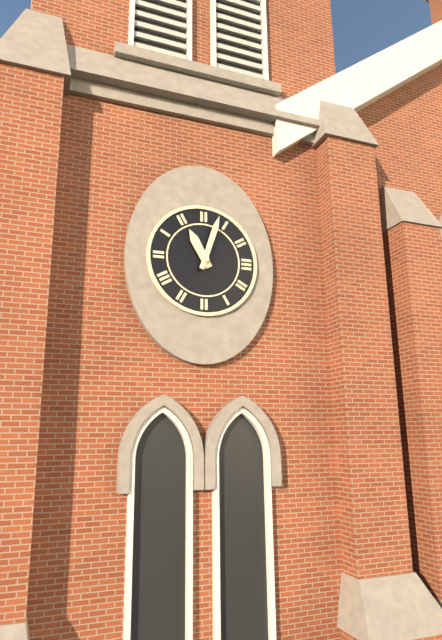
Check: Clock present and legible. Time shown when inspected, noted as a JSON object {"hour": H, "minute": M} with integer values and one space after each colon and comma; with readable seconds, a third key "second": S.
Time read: {"hour": 11, "minute": 3}
